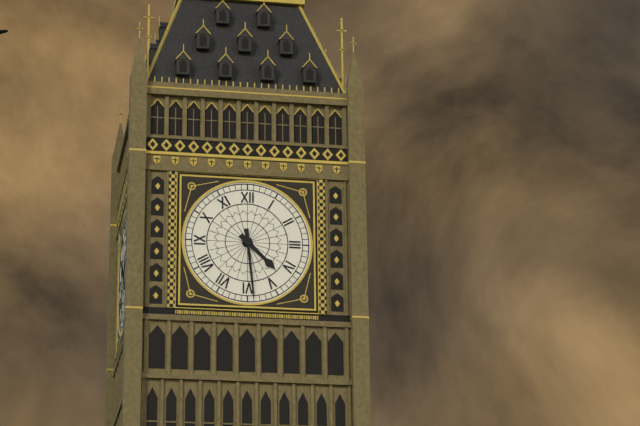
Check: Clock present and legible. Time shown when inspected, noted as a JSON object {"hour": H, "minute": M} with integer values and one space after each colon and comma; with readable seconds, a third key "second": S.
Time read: {"hour": 4, "minute": 29}
